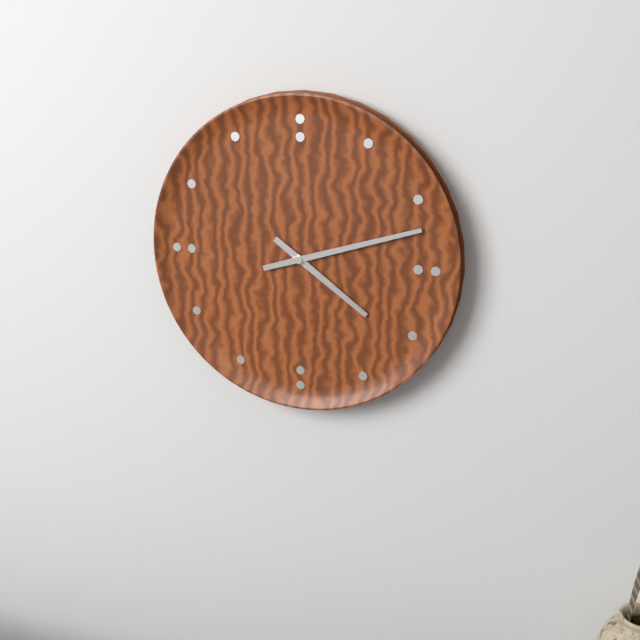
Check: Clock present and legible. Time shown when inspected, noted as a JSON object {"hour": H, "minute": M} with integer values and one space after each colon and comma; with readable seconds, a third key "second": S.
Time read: {"hour": 4, "minute": 12}
